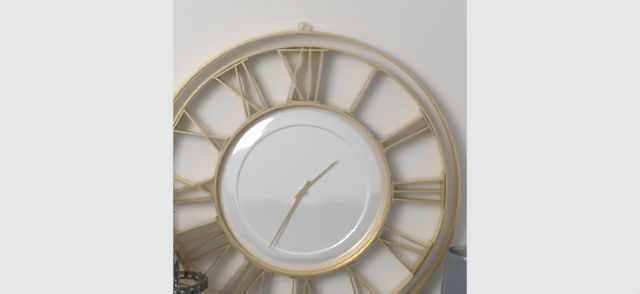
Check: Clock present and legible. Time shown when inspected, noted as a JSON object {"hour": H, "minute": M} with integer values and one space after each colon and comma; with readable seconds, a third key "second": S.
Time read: {"hour": 1, "minute": 35}
